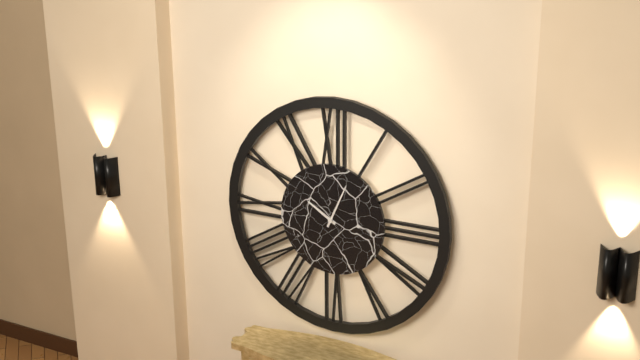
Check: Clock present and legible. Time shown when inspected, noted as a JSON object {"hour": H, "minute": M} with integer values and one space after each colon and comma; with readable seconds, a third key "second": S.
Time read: {"hour": 10, "minute": 4}
